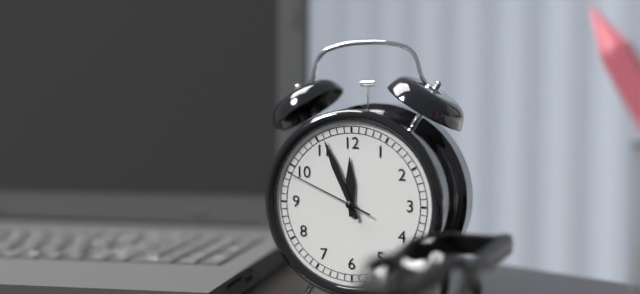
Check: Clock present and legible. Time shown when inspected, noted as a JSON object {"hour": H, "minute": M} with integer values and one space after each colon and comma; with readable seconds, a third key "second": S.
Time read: {"hour": 11, "minute": 56, "second": 49}
